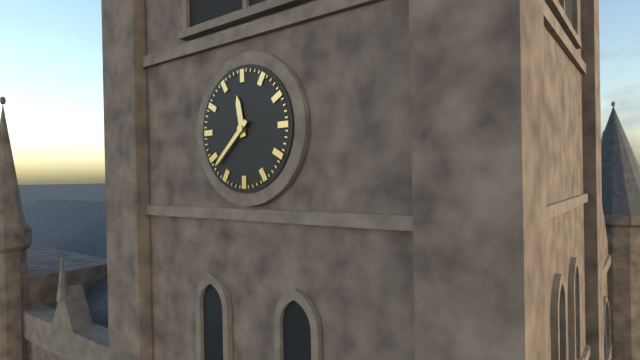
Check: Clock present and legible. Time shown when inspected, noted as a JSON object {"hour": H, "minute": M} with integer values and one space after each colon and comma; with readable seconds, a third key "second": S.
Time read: {"hour": 11, "minute": 38}
